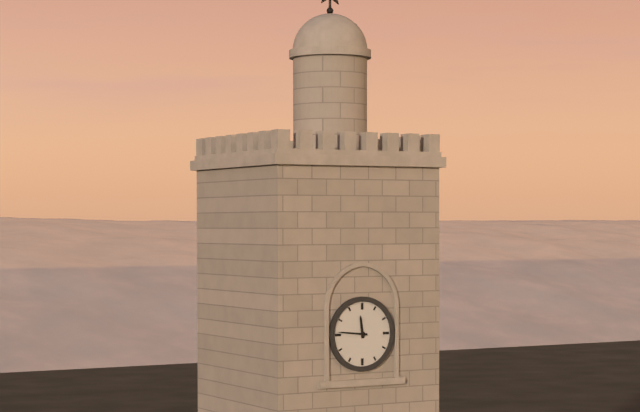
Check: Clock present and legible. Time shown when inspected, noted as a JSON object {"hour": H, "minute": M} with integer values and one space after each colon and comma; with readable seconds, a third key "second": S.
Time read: {"hour": 11, "minute": 46}
